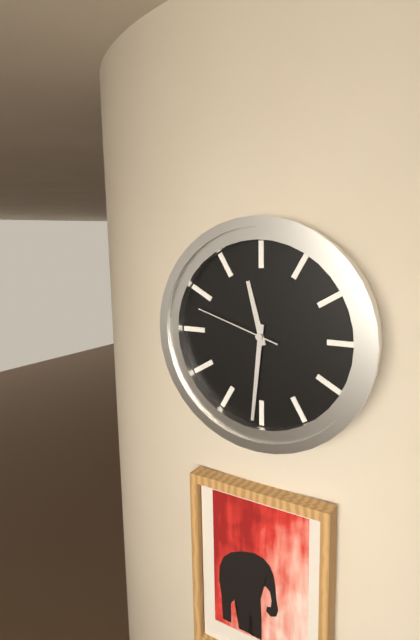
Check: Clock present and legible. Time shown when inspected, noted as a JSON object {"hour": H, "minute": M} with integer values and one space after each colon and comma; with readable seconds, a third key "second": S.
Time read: {"hour": 11, "minute": 31, "second": 48}
